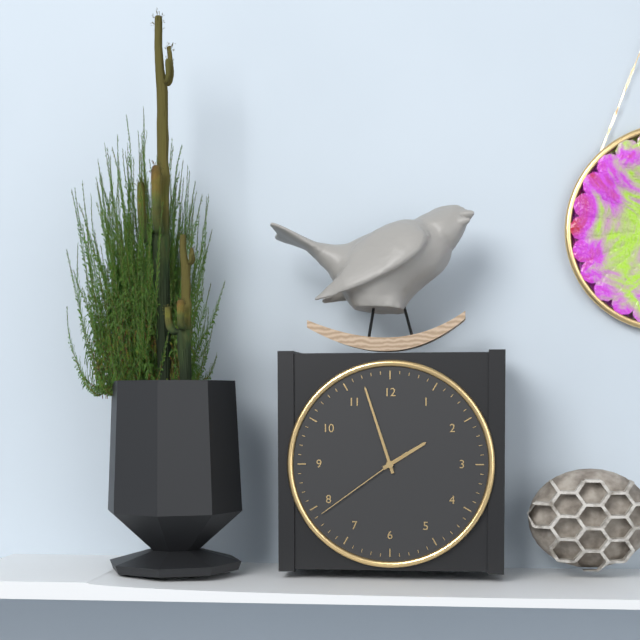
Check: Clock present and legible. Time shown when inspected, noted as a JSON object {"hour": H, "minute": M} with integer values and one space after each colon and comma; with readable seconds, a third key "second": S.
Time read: {"hour": 1, "minute": 57, "second": 39}
